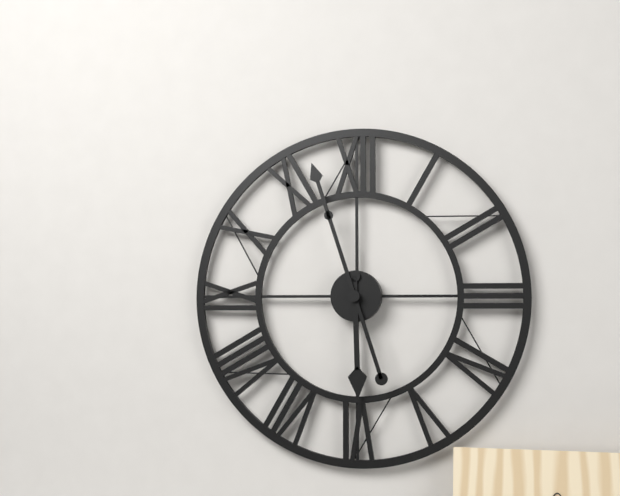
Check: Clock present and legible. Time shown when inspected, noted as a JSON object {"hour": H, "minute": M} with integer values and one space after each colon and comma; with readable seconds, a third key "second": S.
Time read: {"hour": 5, "minute": 57}
